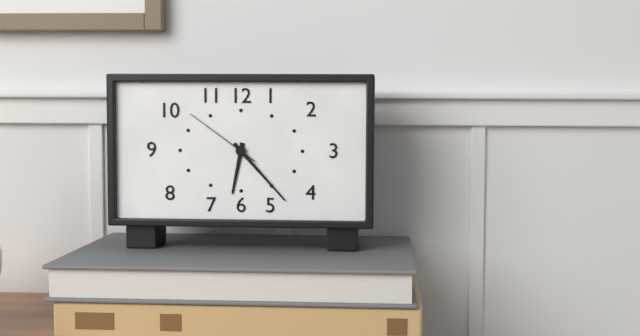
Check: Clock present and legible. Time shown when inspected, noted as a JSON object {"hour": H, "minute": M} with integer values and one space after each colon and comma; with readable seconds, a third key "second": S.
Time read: {"hour": 6, "minute": 23, "second": 51}
